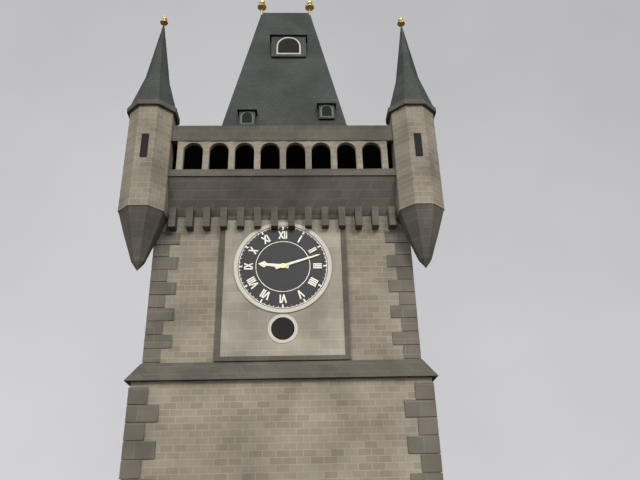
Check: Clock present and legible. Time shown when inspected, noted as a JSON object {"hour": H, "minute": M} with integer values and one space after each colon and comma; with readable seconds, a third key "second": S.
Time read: {"hour": 9, "minute": 12}
